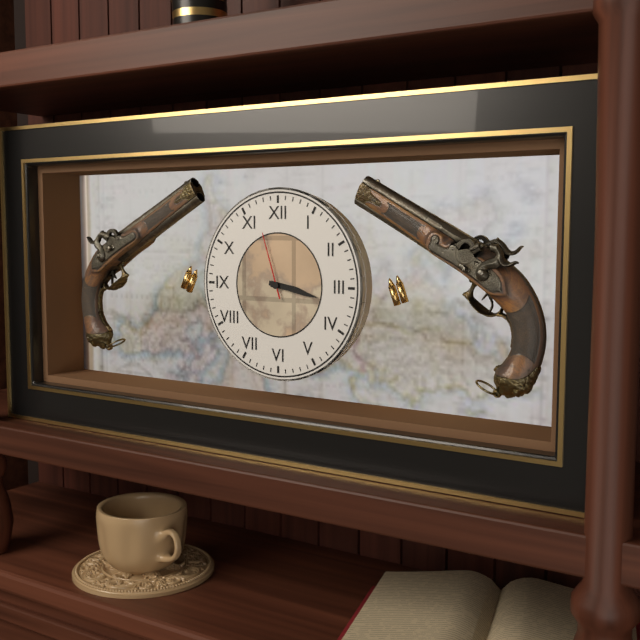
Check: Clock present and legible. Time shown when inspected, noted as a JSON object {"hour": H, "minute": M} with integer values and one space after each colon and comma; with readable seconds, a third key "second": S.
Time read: {"hour": 3, "minute": 17, "second": 57}
